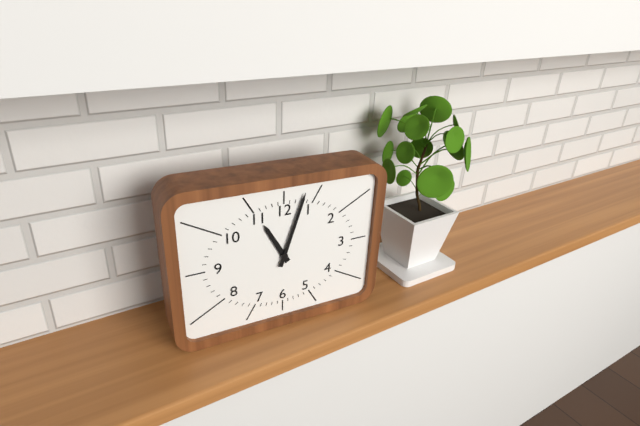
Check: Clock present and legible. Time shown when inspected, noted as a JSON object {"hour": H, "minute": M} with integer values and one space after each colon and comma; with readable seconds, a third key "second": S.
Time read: {"hour": 11, "minute": 3}
